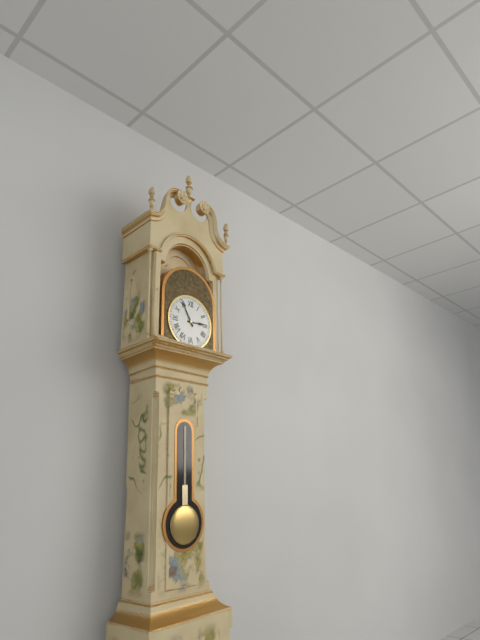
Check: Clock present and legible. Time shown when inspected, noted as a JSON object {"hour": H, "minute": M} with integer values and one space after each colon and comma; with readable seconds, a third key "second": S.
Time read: {"hour": 2, "minute": 55}
